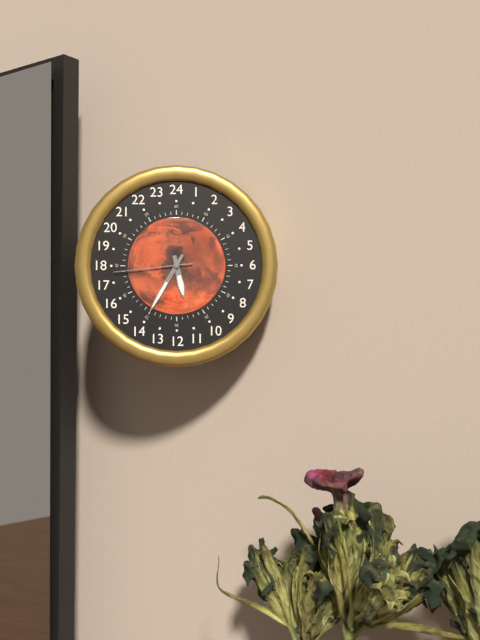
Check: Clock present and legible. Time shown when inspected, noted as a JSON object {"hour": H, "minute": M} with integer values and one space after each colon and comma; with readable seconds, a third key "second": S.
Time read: {"hour": 5, "minute": 35, "second": 44}
